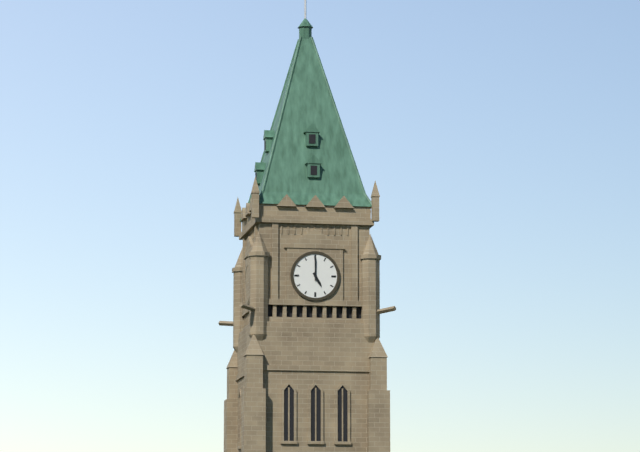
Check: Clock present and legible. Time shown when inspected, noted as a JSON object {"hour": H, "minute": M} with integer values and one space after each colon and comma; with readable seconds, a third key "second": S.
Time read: {"hour": 5, "minute": 0}
